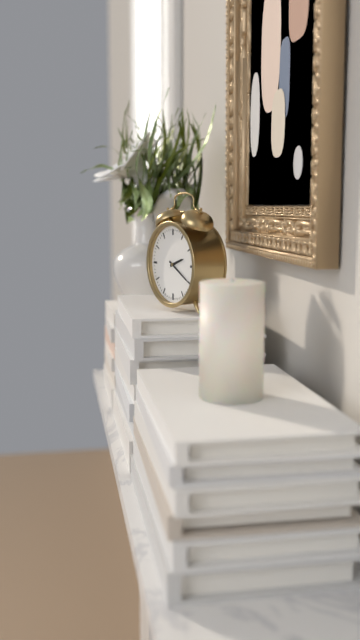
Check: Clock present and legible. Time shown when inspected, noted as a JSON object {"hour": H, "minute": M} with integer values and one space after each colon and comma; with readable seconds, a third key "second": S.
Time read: {"hour": 2, "minute": 20}
